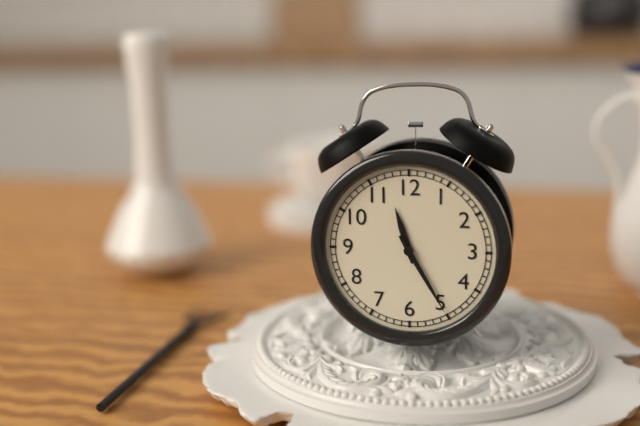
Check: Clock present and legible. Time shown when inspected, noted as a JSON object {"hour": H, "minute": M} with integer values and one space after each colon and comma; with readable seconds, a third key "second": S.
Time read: {"hour": 11, "minute": 25}
